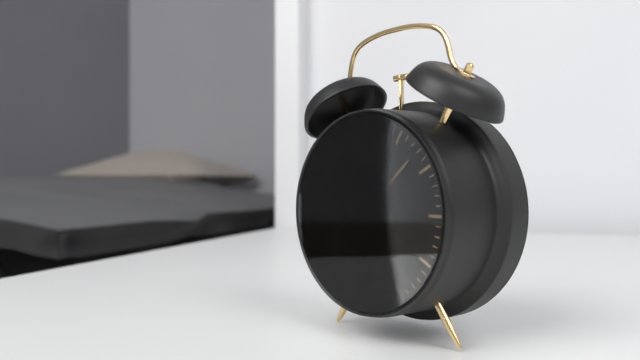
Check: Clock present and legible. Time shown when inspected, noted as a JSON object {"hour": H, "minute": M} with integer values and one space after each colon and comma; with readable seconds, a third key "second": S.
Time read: {"hour": 8, "minute": 8, "second": 55}
